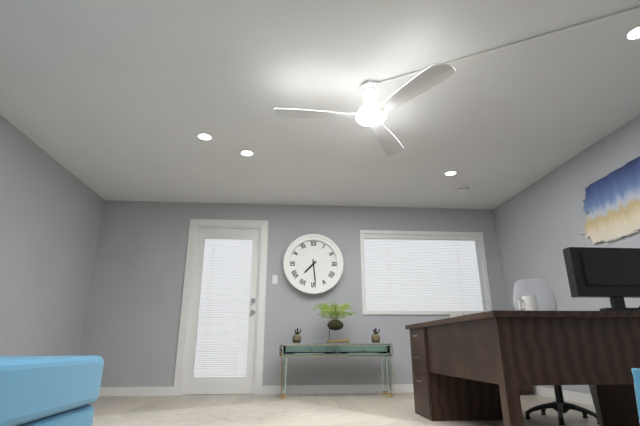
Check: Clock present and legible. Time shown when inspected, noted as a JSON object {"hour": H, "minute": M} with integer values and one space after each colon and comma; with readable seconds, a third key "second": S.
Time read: {"hour": 7, "minute": 29}
